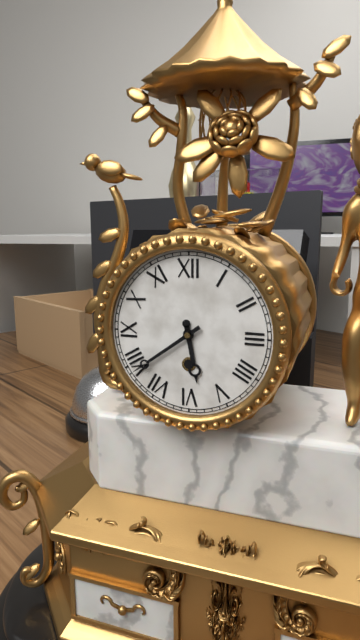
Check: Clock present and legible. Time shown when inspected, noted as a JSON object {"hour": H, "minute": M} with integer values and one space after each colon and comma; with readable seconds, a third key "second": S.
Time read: {"hour": 5, "minute": 39}
